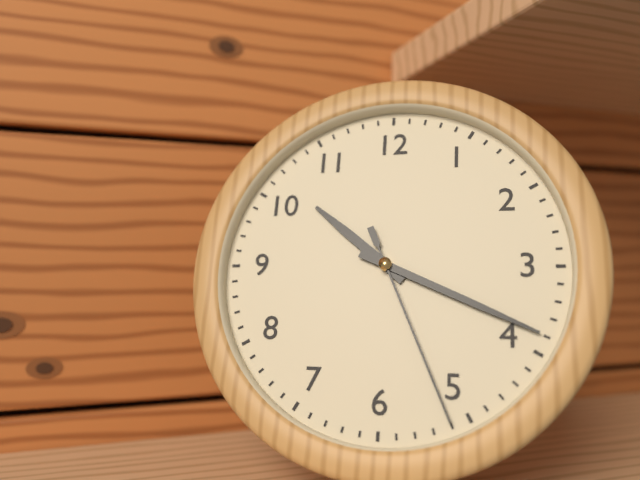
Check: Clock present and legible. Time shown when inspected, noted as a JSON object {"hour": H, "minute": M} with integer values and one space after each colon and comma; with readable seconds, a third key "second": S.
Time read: {"hour": 10, "minute": 19, "second": 26}
